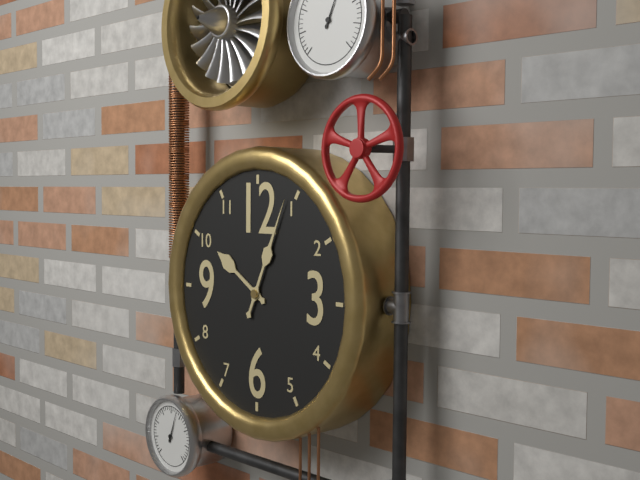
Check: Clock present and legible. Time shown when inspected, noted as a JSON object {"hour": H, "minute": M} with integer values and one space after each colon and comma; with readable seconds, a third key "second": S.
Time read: {"hour": 10, "minute": 4}
